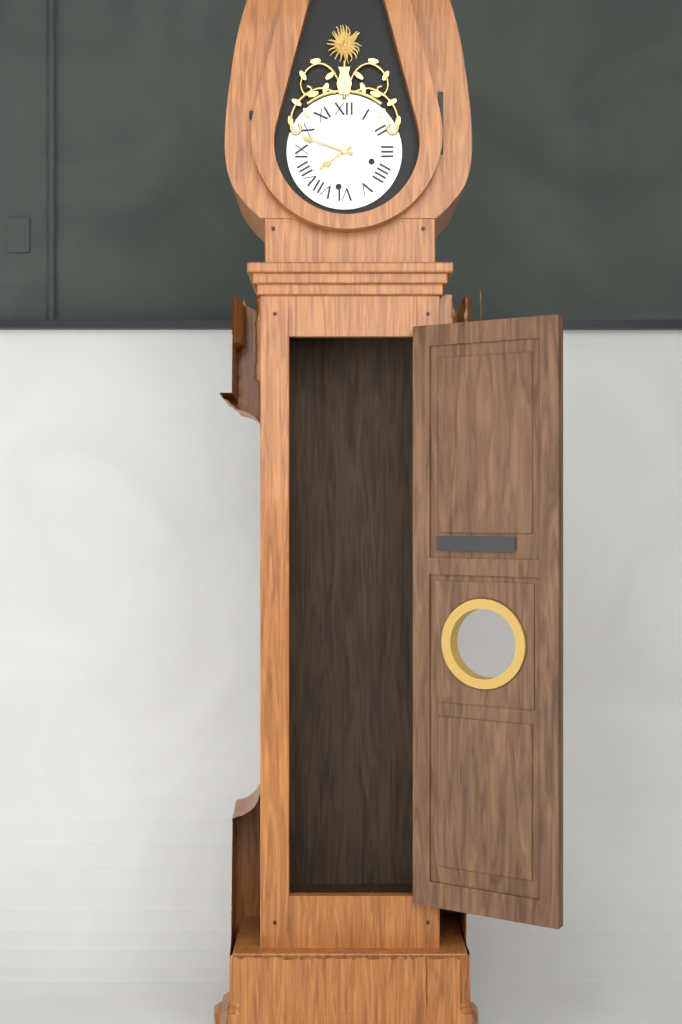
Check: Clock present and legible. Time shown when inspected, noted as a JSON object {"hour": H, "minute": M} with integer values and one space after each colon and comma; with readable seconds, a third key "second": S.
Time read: {"hour": 7, "minute": 48}
